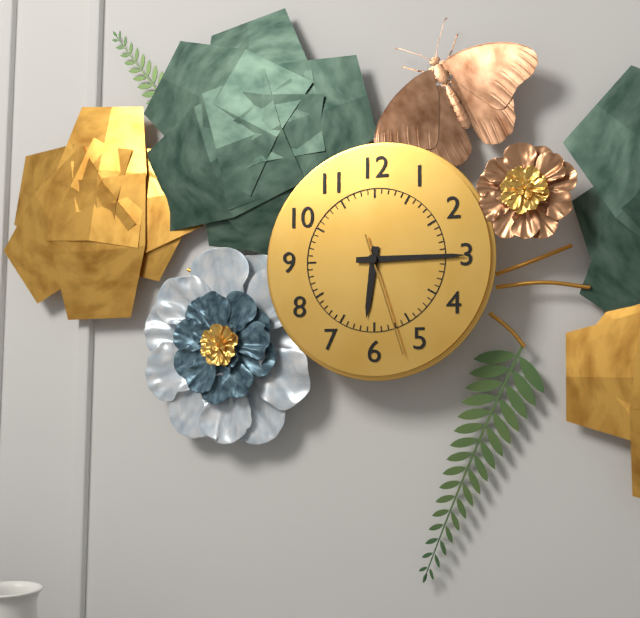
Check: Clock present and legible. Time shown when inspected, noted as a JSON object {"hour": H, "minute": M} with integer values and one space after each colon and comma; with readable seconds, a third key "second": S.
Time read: {"hour": 6, "minute": 15, "second": 27}
